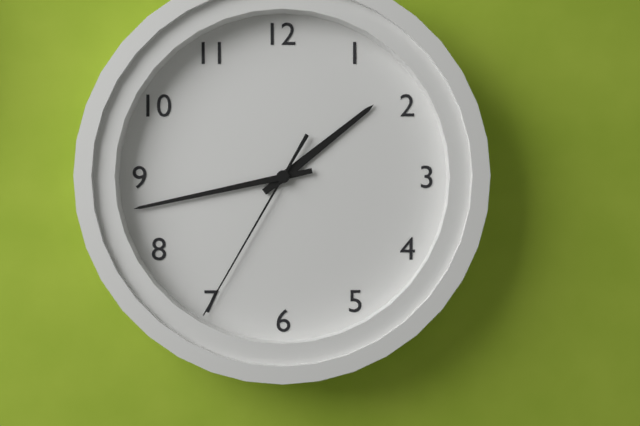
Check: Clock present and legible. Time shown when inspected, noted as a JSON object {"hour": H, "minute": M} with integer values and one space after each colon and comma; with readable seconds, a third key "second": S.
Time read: {"hour": 1, "minute": 43, "second": 35}
